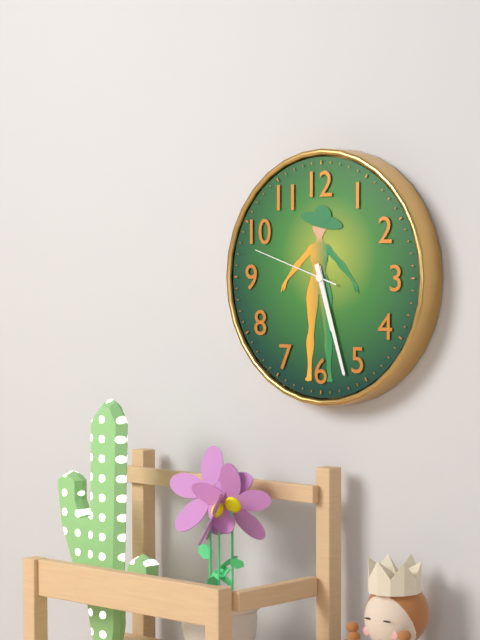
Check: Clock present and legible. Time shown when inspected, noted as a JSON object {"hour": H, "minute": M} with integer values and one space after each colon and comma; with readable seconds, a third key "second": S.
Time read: {"hour": 5, "minute": 27, "second": 48}
